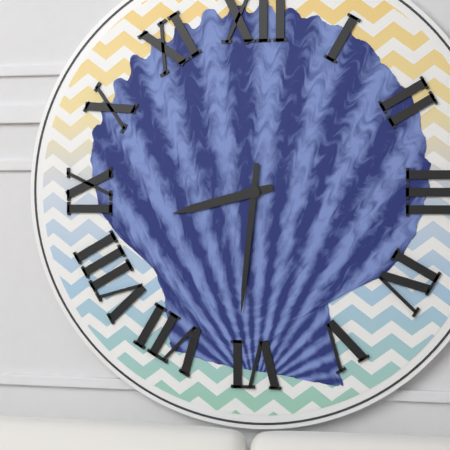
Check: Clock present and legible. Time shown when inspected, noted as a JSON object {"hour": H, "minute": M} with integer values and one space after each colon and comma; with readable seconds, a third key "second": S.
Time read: {"hour": 8, "minute": 31}
